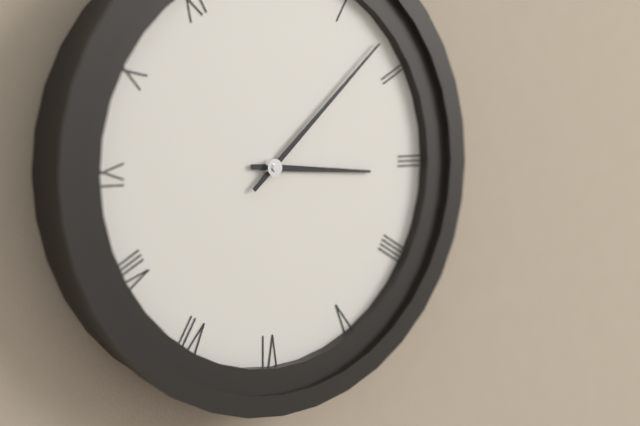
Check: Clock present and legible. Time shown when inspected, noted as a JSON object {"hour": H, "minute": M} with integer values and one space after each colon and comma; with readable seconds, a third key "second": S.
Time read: {"hour": 3, "minute": 8}
